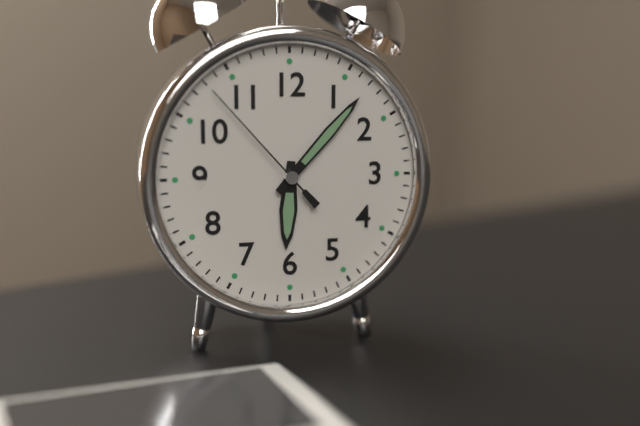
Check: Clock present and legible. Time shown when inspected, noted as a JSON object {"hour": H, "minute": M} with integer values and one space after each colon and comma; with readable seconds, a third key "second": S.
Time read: {"hour": 6, "minute": 7, "second": 53}
